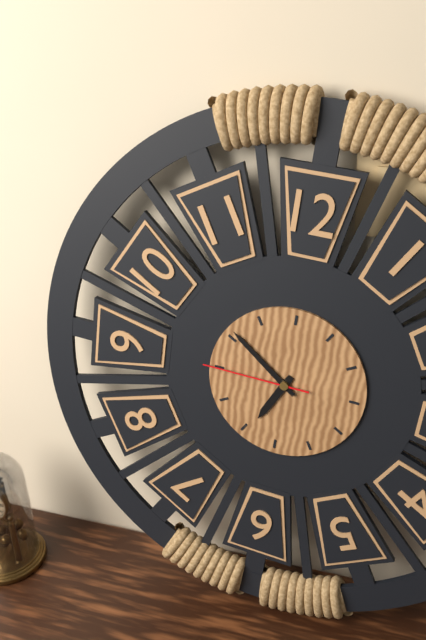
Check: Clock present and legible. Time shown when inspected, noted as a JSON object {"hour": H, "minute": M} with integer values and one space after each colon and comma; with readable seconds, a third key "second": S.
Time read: {"hour": 6, "minute": 51, "second": 45}
